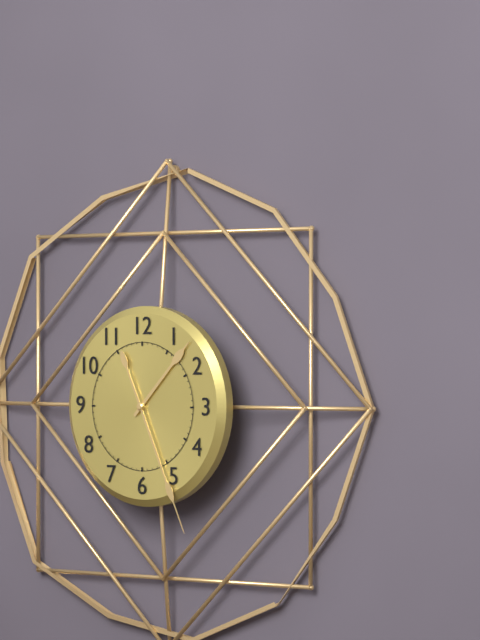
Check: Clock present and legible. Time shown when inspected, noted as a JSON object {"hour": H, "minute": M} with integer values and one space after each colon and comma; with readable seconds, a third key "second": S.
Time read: {"hour": 1, "minute": 26}
